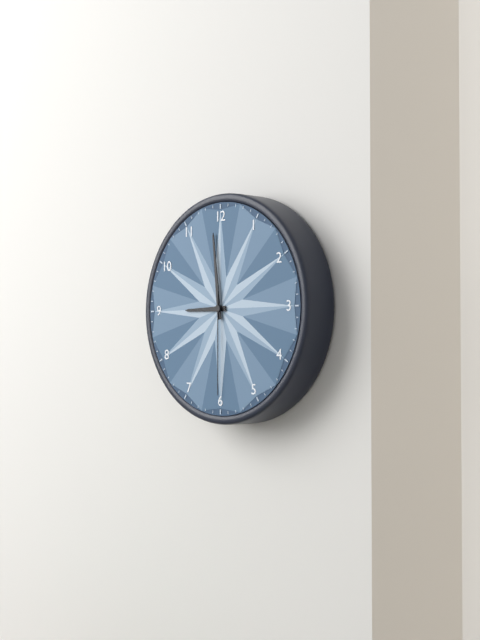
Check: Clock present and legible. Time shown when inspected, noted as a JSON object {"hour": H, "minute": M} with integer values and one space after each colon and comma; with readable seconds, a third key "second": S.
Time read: {"hour": 8, "minute": 59, "second": 30}
